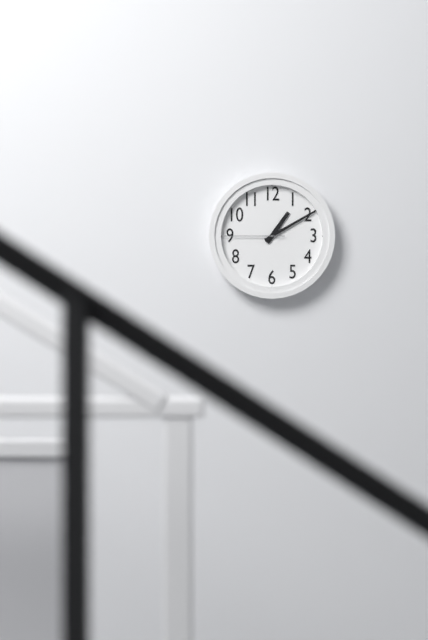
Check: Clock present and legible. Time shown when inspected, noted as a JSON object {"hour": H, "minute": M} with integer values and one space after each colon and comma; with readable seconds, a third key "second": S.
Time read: {"hour": 1, "minute": 10, "second": 45}
